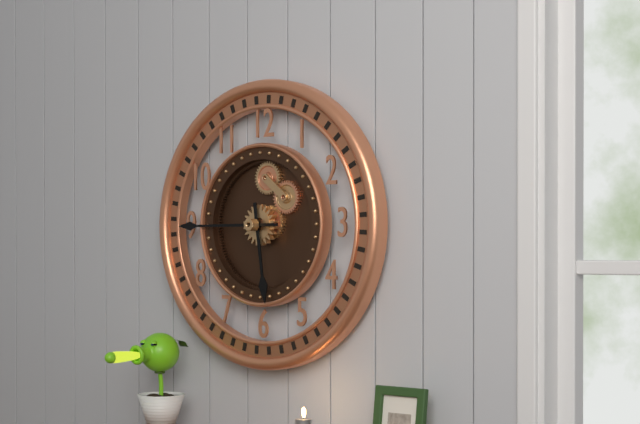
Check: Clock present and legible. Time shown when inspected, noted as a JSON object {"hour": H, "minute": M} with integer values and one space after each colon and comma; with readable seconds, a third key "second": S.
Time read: {"hour": 5, "minute": 45}
